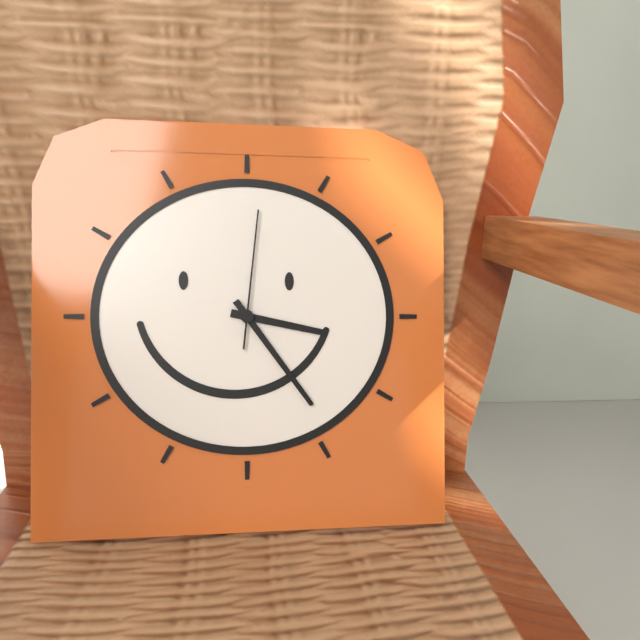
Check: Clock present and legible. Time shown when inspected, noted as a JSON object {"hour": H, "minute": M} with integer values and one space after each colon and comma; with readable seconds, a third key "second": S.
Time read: {"hour": 3, "minute": 24, "second": 1}
